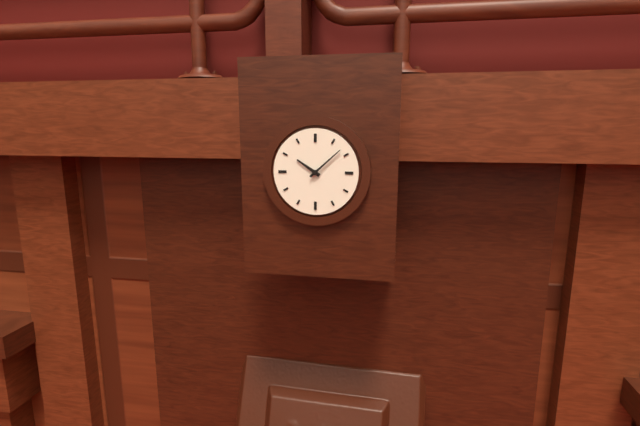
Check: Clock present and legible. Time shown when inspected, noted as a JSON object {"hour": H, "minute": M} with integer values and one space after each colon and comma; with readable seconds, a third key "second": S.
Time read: {"hour": 10, "minute": 8}
